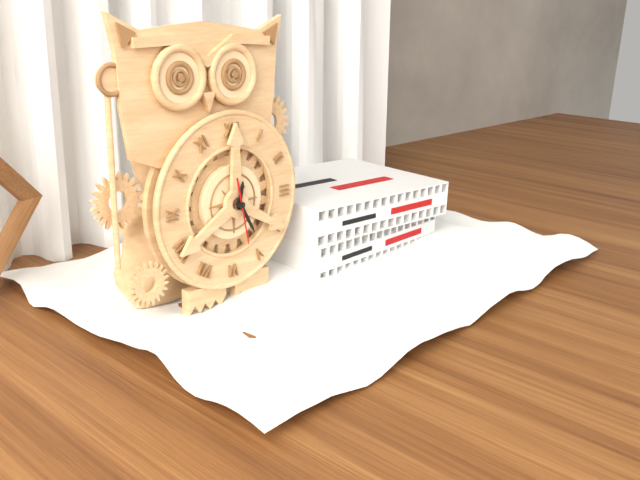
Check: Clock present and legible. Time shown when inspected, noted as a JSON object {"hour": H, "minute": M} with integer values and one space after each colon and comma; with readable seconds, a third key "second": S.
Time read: {"hour": 12, "minute": 25, "second": 28}
